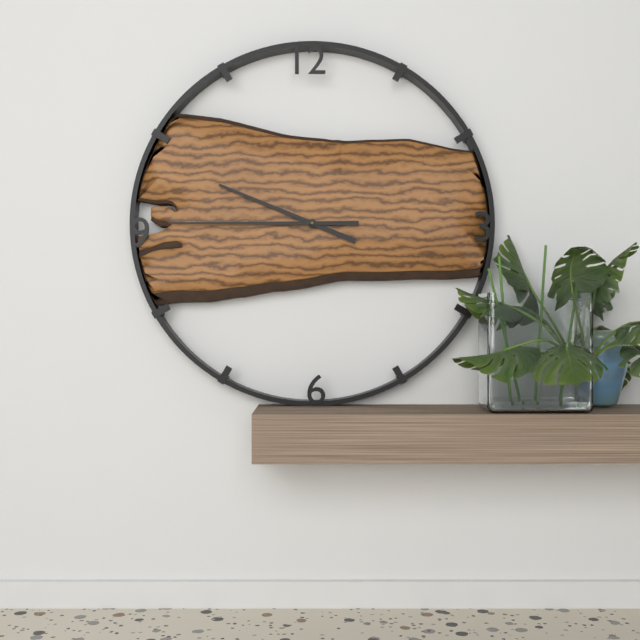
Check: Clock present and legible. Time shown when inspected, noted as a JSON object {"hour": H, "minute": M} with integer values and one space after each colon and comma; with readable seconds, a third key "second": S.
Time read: {"hour": 9, "minute": 45}
